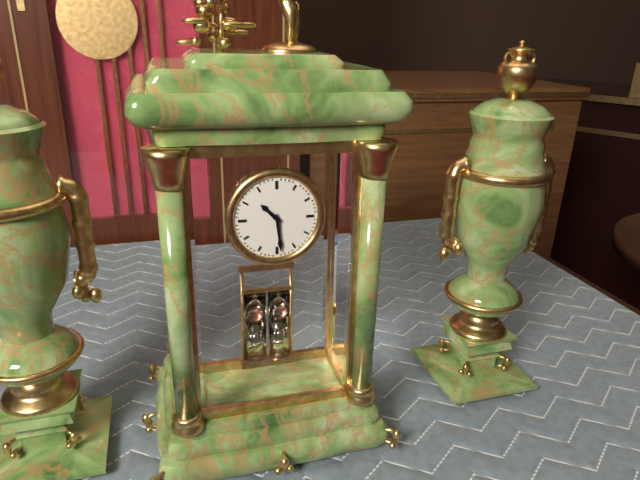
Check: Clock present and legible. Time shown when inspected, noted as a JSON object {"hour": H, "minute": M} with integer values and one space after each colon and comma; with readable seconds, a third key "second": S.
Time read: {"hour": 10, "minute": 29}
